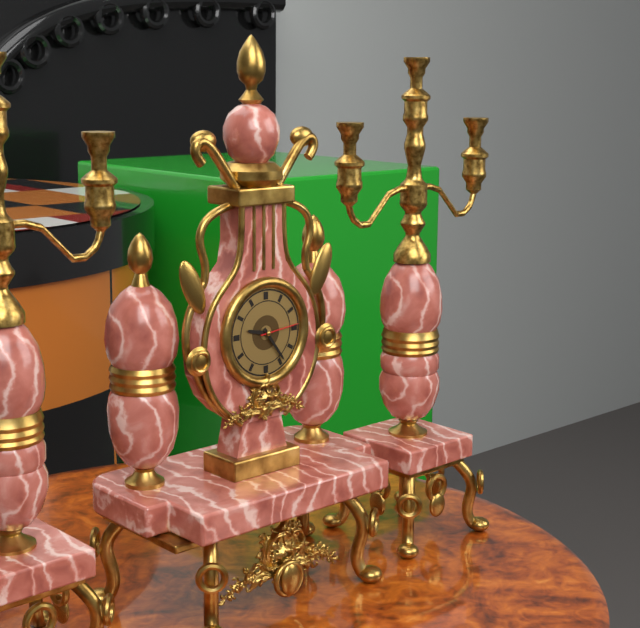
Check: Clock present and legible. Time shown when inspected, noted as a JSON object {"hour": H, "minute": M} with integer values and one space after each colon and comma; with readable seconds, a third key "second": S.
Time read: {"hour": 9, "minute": 24}
